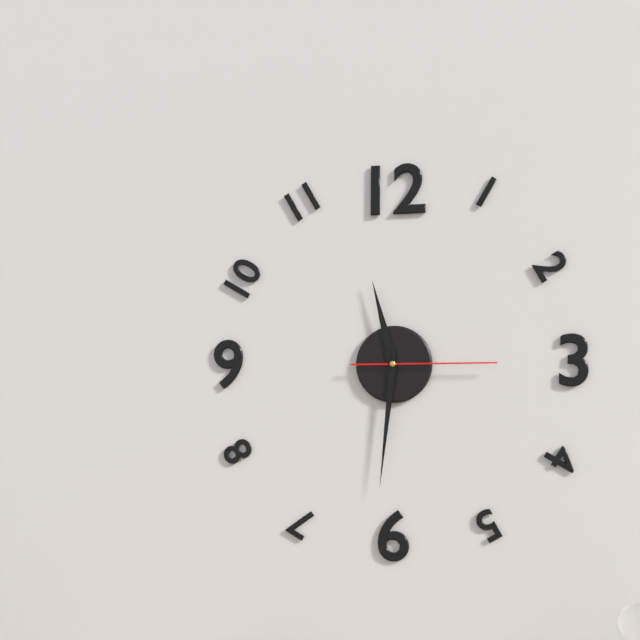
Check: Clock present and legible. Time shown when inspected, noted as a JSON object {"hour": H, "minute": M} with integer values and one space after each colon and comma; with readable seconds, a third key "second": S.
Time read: {"hour": 11, "minute": 31, "second": 15}
